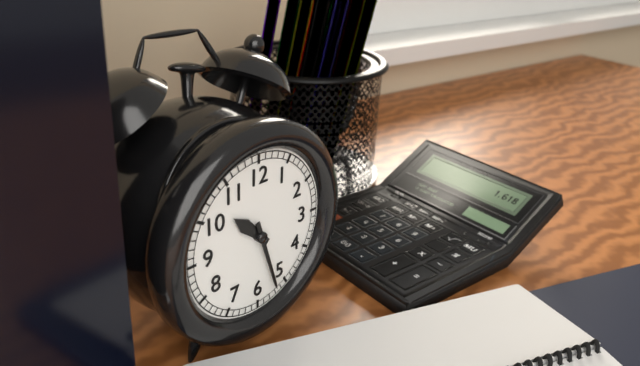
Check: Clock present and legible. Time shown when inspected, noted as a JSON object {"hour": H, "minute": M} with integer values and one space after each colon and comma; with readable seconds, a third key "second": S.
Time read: {"hour": 10, "minute": 27}
